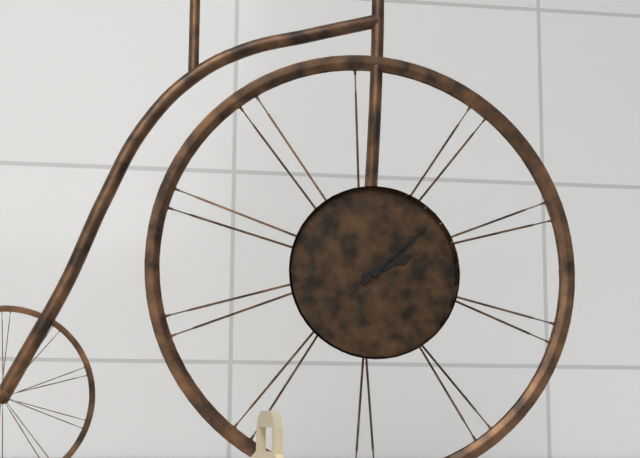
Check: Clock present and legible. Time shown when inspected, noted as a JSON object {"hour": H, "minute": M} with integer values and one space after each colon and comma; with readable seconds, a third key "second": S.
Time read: {"hour": 2, "minute": 8}
